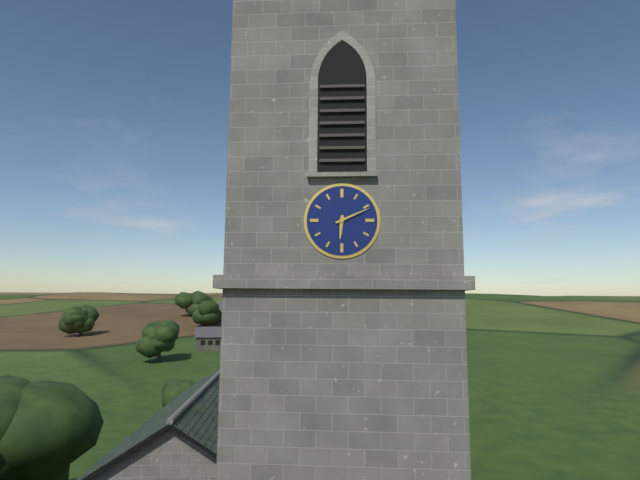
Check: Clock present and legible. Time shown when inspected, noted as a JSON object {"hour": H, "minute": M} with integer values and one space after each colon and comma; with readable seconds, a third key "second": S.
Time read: {"hour": 6, "minute": 11}
